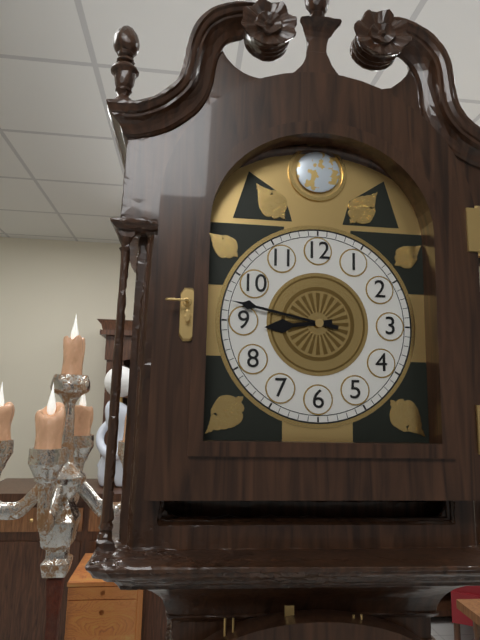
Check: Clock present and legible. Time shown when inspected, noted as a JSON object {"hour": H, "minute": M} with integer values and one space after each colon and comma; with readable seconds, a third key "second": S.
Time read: {"hour": 8, "minute": 47}
